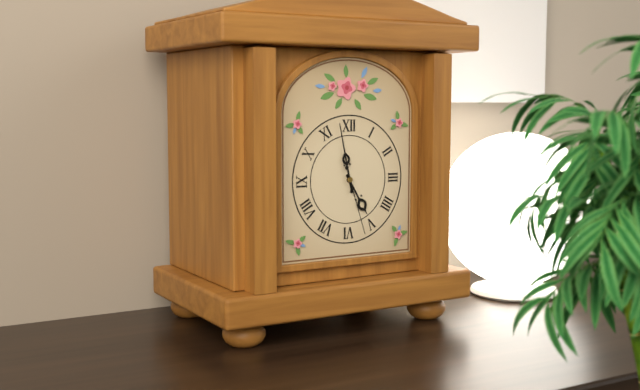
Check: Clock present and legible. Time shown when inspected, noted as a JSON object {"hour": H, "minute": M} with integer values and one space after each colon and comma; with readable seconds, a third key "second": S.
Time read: {"hour": 4, "minute": 58, "second": 27}
